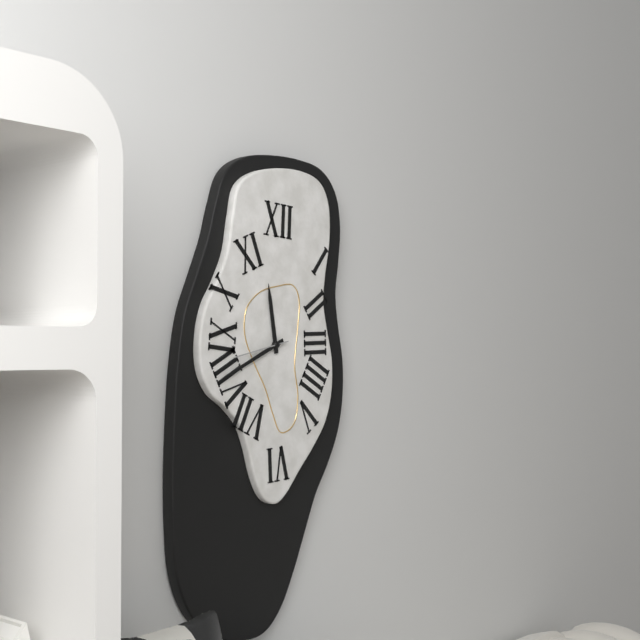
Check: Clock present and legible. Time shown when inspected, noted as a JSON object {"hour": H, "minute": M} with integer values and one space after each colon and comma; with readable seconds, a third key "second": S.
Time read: {"hour": 11, "minute": 41, "second": 43}
